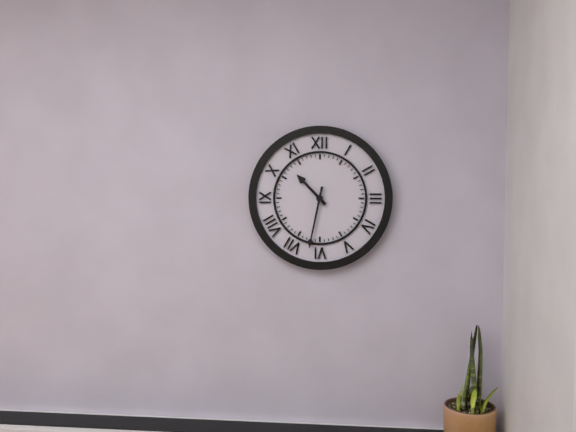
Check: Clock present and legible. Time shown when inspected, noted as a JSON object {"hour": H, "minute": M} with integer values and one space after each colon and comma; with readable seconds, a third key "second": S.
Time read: {"hour": 10, "minute": 32}
